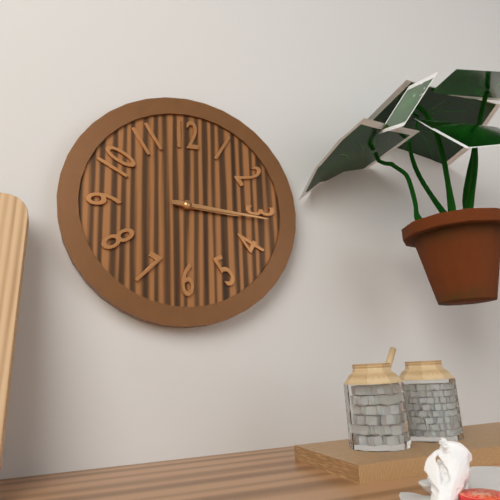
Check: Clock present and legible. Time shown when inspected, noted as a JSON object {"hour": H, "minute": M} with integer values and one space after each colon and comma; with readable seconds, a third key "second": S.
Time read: {"hour": 3, "minute": 16}
